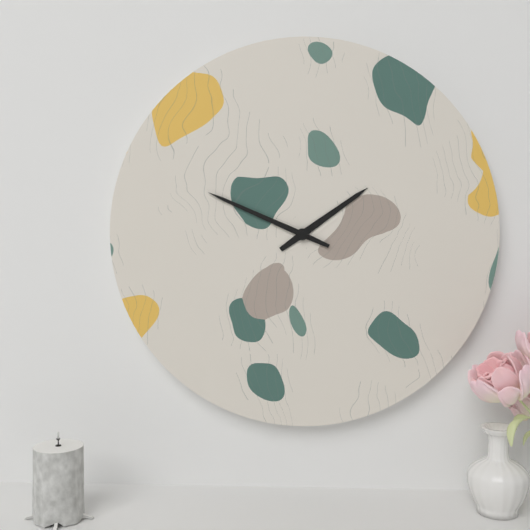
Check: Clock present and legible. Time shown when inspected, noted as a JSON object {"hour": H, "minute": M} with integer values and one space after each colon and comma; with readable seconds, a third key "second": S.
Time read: {"hour": 1, "minute": 49}
